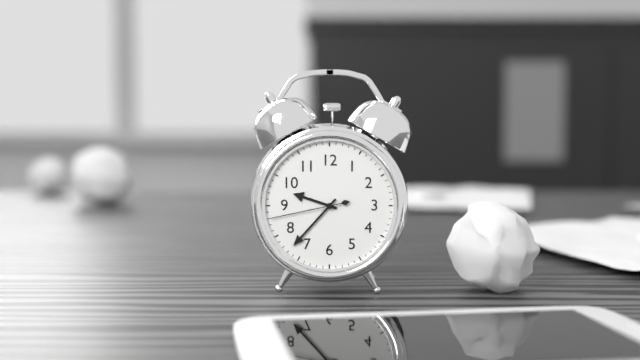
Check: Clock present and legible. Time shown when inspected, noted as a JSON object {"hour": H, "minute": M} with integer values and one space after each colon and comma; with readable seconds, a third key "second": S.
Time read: {"hour": 9, "minute": 37, "second": 43}
